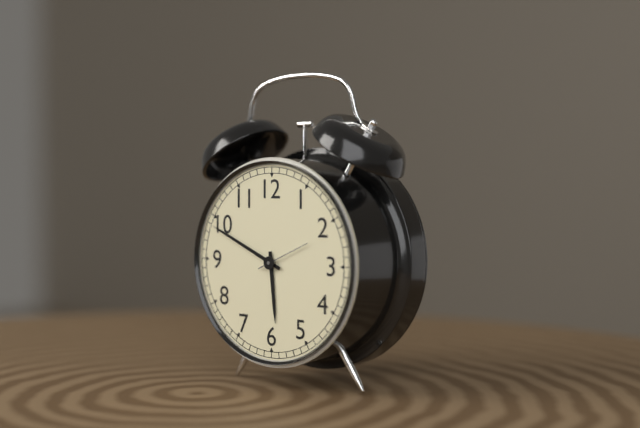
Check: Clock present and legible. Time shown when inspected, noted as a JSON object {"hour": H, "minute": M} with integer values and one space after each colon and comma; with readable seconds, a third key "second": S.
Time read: {"hour": 5, "minute": 49, "second": 11}
